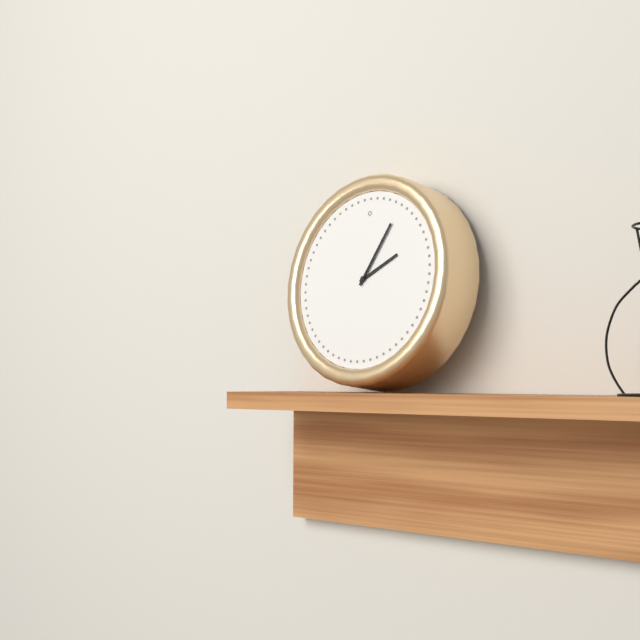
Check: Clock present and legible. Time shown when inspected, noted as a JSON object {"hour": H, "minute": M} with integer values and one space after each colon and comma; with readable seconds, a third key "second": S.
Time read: {"hour": 2, "minute": 5}
